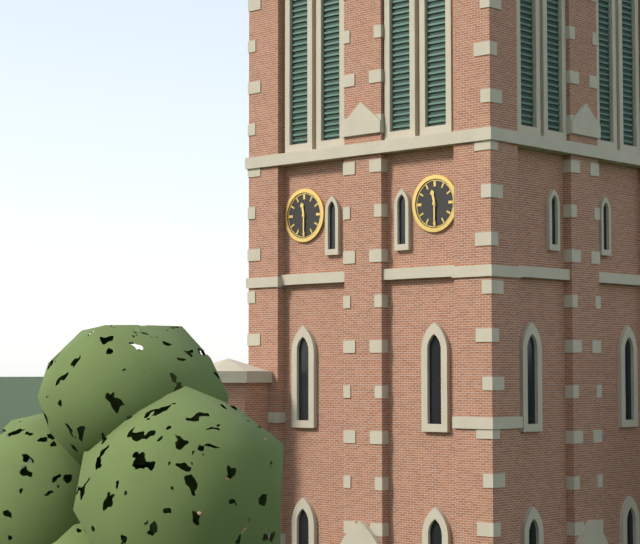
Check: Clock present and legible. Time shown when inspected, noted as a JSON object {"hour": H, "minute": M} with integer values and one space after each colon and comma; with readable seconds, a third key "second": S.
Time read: {"hour": 11, "minute": 30}
